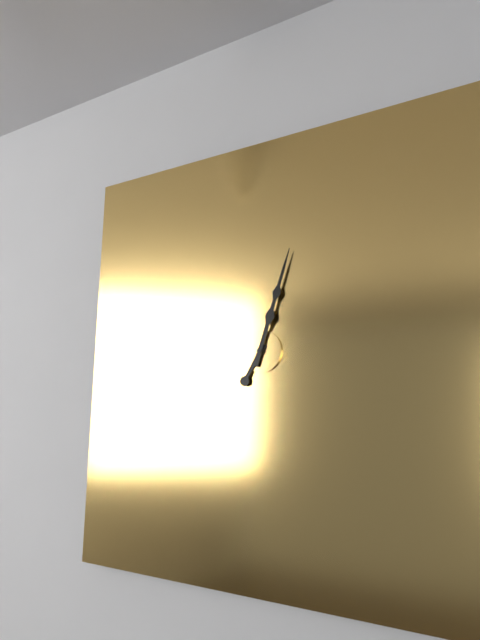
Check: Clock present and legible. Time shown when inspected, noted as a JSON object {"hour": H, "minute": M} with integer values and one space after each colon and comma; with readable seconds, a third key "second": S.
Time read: {"hour": 7, "minute": 3}
